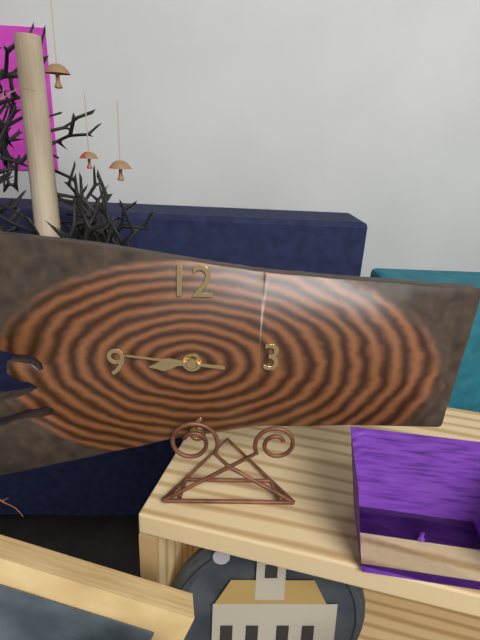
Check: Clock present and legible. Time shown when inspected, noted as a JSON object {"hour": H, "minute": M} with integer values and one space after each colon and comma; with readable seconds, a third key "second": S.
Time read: {"hour": 8, "minute": 46}
